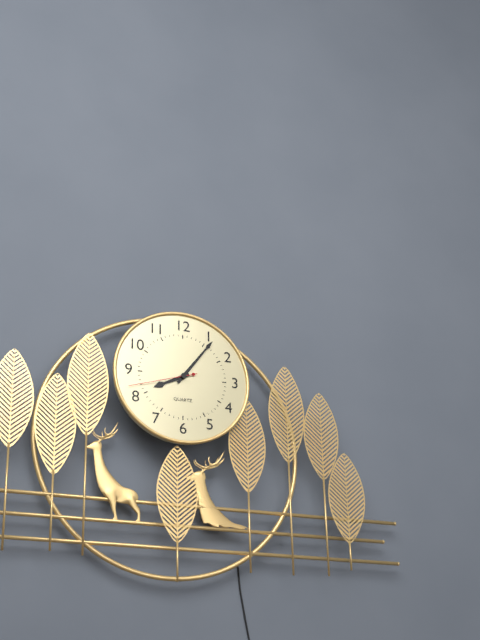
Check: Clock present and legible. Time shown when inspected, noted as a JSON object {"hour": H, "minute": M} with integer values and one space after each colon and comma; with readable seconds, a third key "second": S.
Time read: {"hour": 8, "minute": 6, "second": 42}
